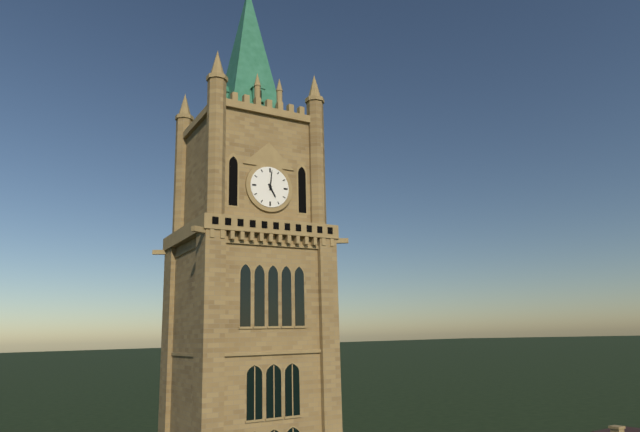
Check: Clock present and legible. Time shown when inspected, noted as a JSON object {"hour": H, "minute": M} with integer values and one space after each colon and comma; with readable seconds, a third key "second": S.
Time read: {"hour": 5, "minute": 1}
